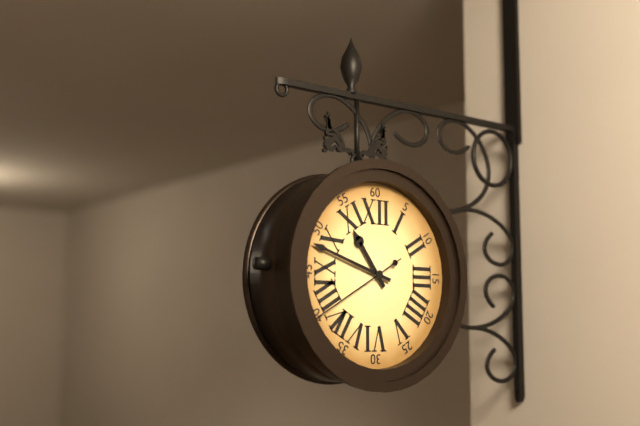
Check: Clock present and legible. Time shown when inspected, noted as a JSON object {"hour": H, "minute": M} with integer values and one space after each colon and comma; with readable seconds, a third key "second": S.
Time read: {"hour": 10, "minute": 48, "second": 40}
